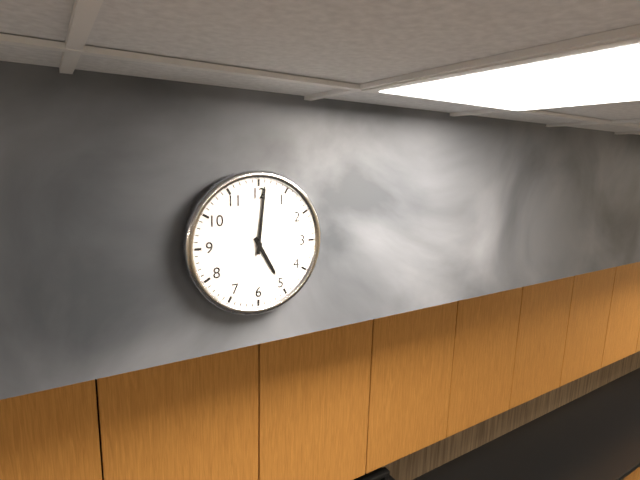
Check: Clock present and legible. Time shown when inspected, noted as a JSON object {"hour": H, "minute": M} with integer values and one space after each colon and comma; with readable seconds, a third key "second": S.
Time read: {"hour": 5, "minute": 1}
